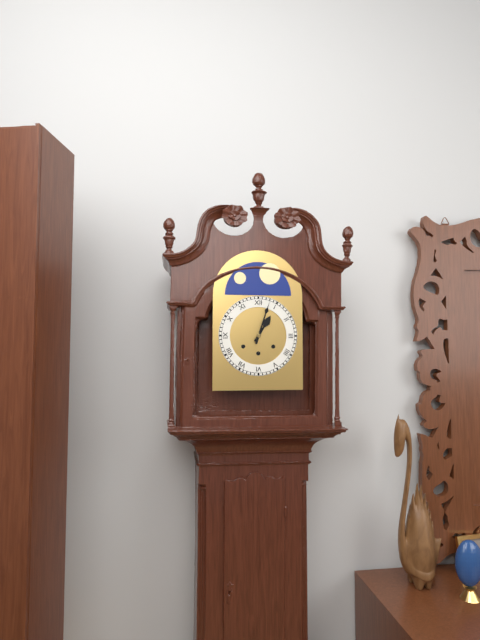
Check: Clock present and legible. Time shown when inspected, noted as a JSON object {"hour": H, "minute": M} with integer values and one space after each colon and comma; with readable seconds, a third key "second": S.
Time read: {"hour": 1, "minute": 3}
